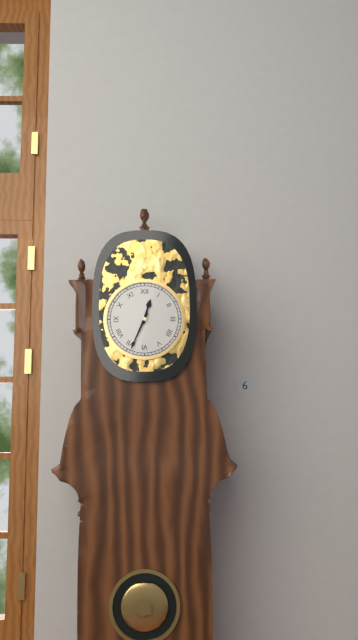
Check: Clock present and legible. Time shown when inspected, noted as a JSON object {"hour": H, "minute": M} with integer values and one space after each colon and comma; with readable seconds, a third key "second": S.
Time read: {"hour": 12, "minute": 34}
